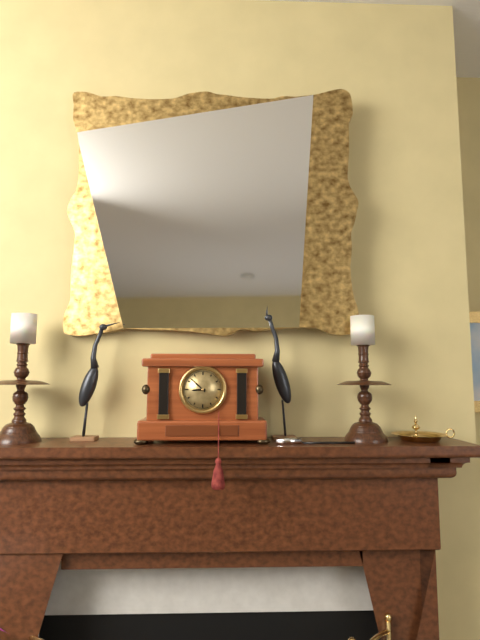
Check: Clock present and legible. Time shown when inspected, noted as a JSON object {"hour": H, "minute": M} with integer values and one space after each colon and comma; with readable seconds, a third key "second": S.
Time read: {"hour": 8, "minute": 52}
